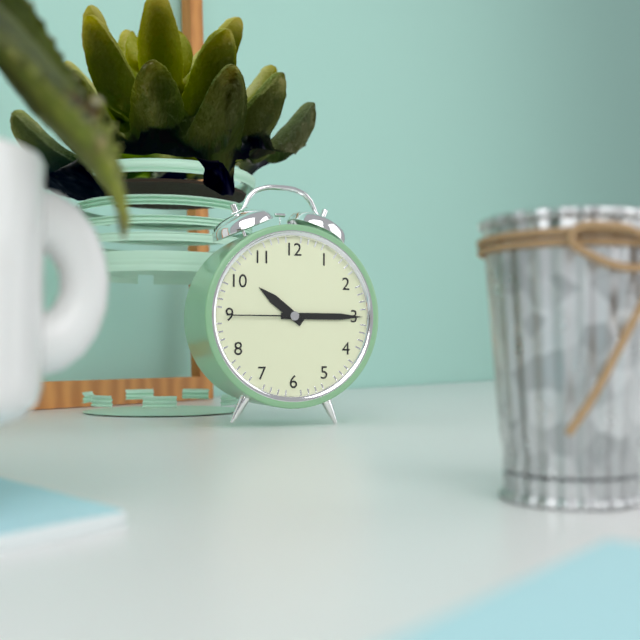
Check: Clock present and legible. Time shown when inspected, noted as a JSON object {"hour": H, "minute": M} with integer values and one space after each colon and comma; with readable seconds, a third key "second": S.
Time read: {"hour": 10, "minute": 15, "second": 45}
